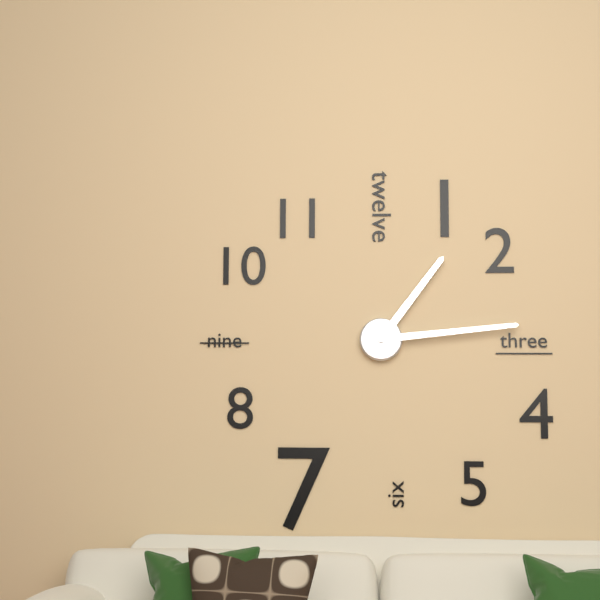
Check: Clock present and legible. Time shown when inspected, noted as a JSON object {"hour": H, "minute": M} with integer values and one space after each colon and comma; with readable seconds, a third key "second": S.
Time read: {"hour": 1, "minute": 14}
